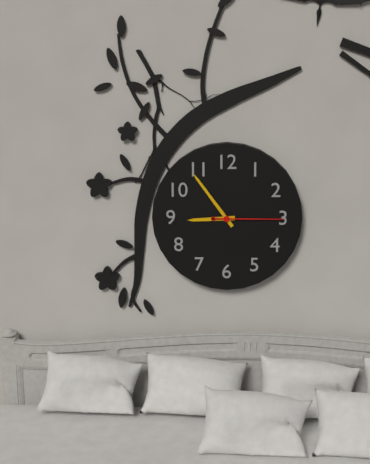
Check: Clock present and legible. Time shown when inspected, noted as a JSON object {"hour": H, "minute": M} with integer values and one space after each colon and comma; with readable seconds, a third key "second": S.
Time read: {"hour": 8, "minute": 54, "second": 15}
